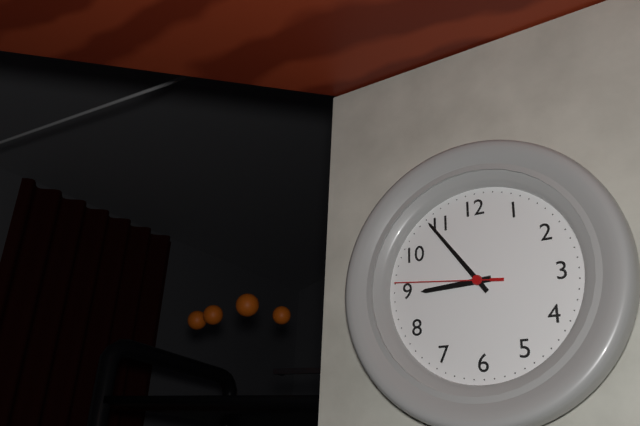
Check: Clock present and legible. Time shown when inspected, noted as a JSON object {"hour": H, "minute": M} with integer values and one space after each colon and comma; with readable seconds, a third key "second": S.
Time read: {"hour": 8, "minute": 54, "second": 46}
